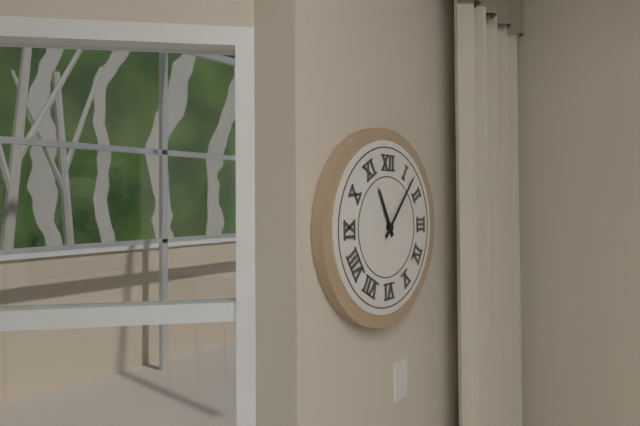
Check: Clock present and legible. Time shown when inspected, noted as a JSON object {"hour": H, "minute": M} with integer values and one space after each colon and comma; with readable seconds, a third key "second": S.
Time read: {"hour": 11, "minute": 7}
